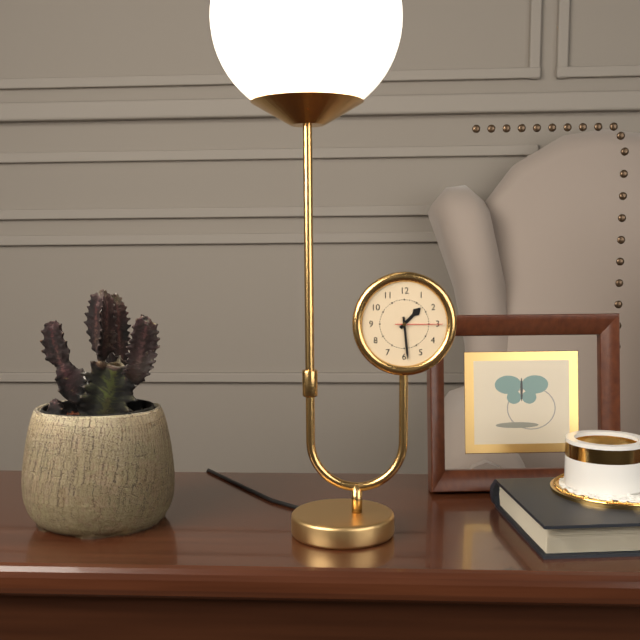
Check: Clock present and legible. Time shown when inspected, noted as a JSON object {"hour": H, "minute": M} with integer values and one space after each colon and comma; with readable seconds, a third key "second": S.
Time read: {"hour": 1, "minute": 29}
